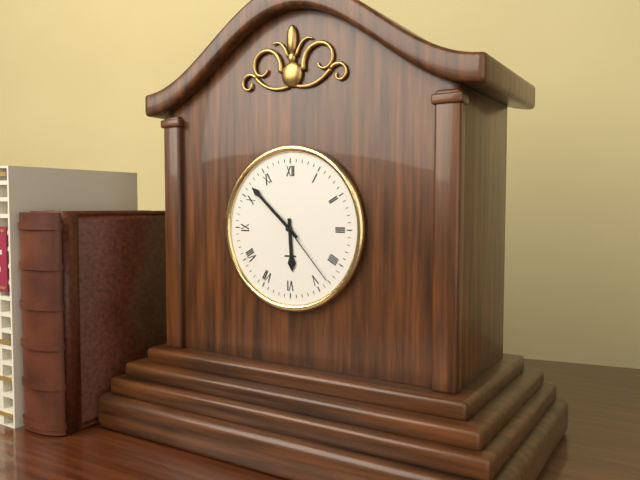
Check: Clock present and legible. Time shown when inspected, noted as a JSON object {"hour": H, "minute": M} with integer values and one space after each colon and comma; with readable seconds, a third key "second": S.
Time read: {"hour": 5, "minute": 52, "second": 23}
